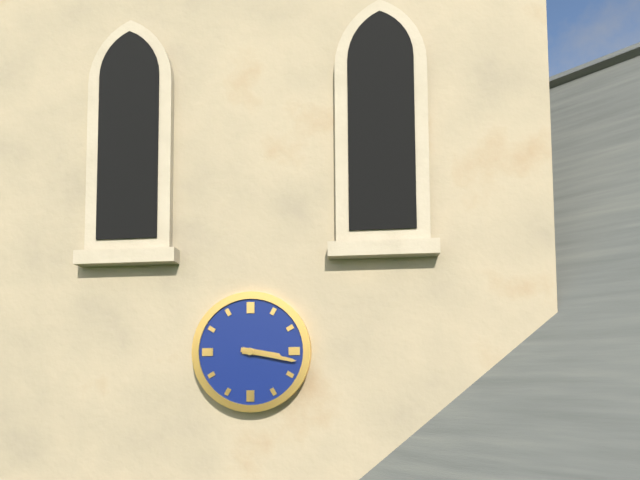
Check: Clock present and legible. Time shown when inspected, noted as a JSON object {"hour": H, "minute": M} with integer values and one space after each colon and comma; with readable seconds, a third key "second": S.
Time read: {"hour": 3, "minute": 17}
